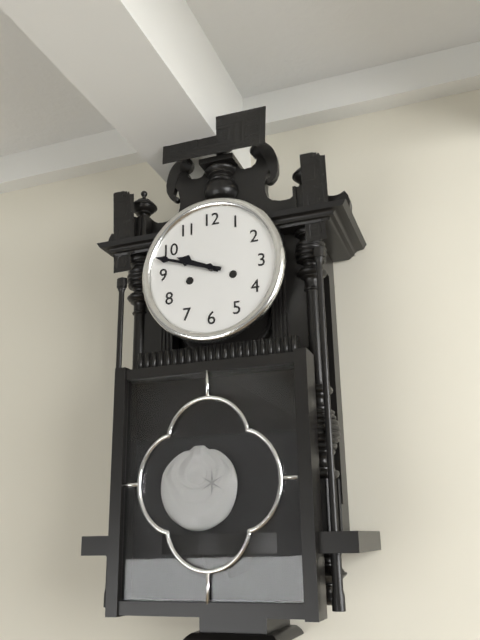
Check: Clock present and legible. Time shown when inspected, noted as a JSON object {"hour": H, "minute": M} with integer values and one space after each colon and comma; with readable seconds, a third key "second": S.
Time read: {"hour": 9, "minute": 48}
